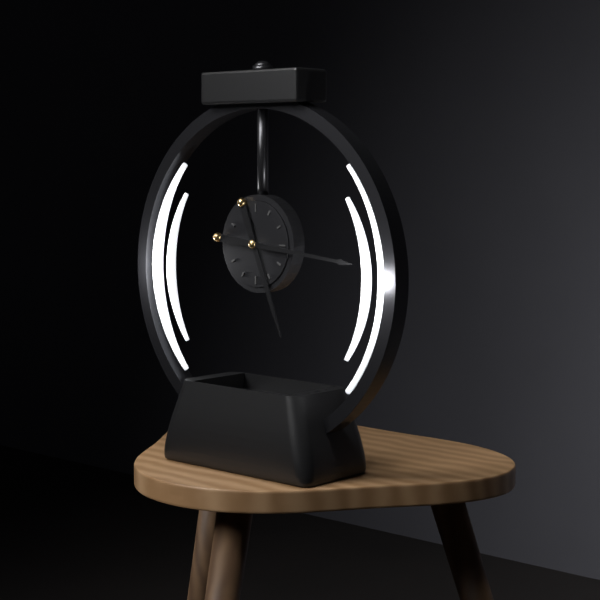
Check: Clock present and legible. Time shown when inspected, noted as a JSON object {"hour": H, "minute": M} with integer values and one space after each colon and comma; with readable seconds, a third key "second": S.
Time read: {"hour": 5, "minute": 16}
